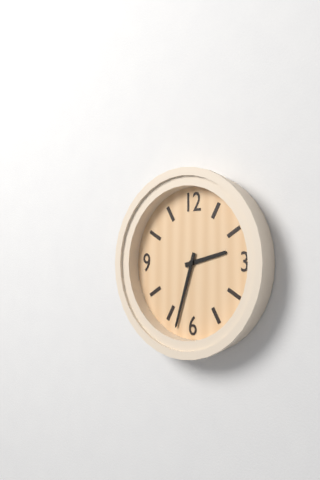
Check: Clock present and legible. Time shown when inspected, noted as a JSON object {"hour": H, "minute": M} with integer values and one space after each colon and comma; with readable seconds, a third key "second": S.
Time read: {"hour": 2, "minute": 33}
